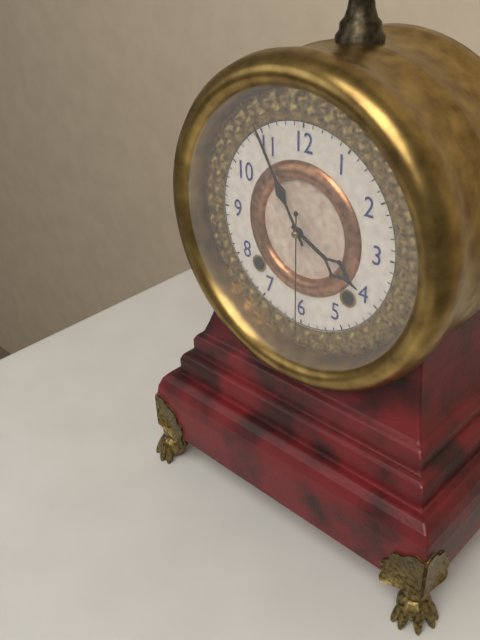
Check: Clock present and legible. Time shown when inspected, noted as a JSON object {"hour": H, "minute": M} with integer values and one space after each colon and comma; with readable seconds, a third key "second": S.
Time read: {"hour": 3, "minute": 55, "second": 30}
